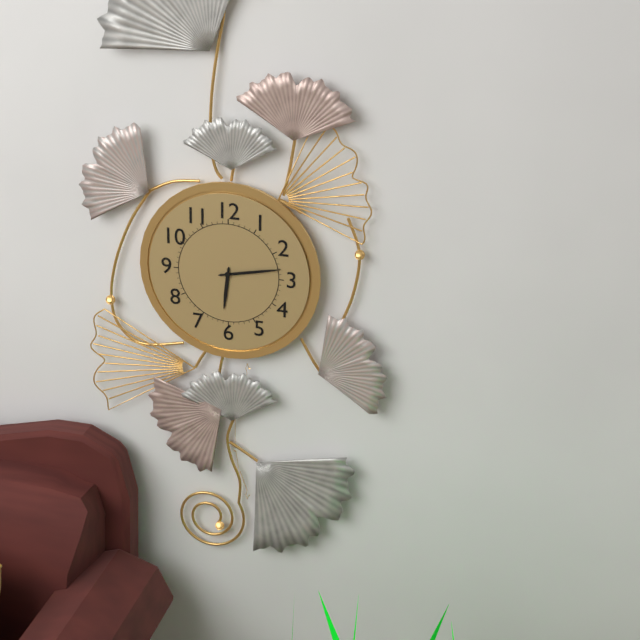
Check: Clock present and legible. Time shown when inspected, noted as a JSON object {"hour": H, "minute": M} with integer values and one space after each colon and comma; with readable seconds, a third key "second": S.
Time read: {"hour": 6, "minute": 13}
